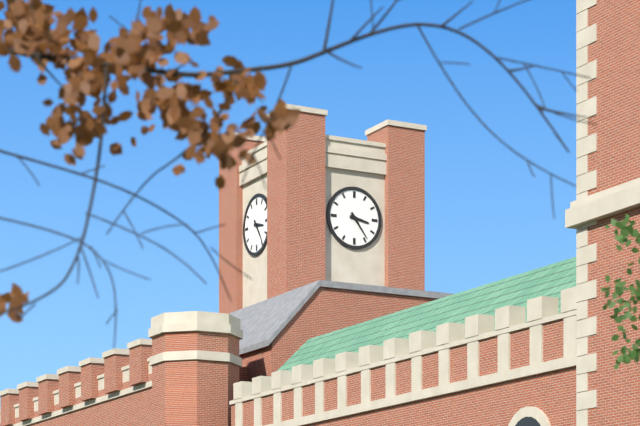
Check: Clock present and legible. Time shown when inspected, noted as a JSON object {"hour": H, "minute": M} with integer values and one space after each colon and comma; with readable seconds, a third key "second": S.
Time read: {"hour": 3, "minute": 24}
